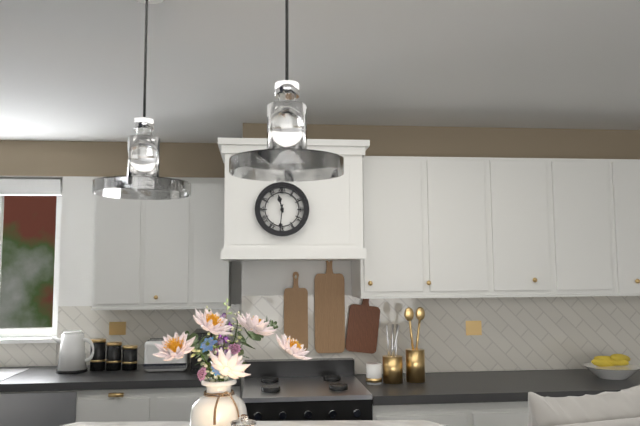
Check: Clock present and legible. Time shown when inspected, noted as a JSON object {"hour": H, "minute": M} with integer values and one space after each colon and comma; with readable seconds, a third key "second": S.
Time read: {"hour": 11, "minute": 31}
